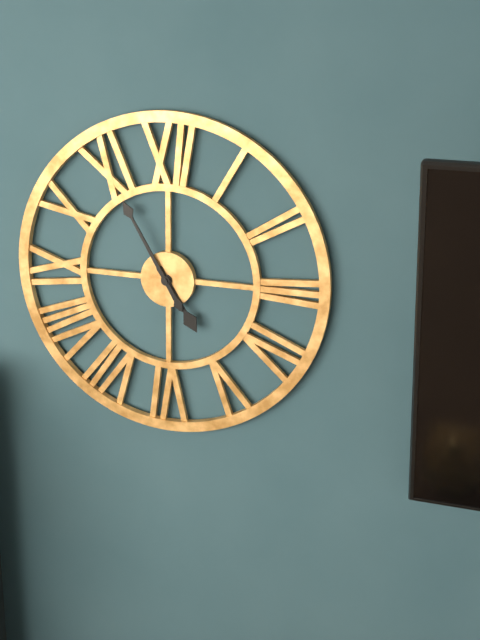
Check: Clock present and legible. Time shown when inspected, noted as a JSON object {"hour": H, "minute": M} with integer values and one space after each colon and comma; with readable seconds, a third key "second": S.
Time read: {"hour": 4, "minute": 55}
